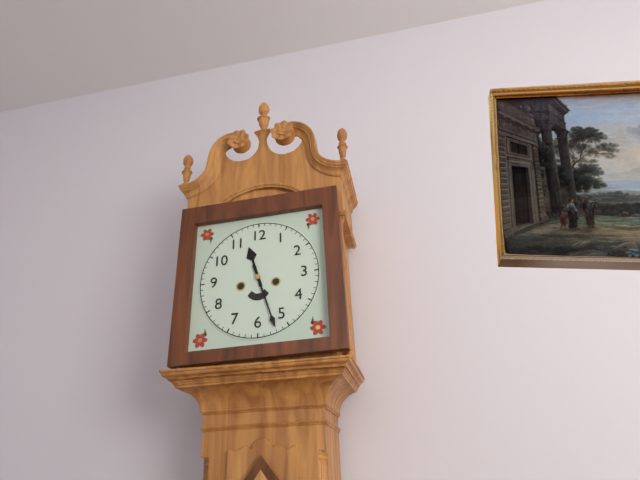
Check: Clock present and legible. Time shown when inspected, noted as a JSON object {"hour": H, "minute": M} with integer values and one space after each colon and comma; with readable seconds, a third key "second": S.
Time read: {"hour": 11, "minute": 27}
